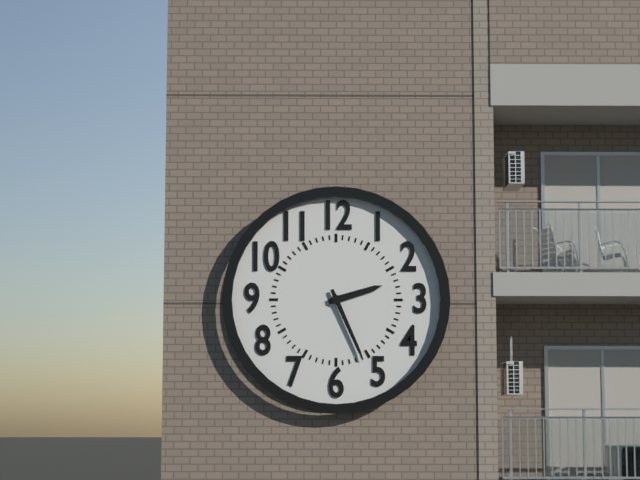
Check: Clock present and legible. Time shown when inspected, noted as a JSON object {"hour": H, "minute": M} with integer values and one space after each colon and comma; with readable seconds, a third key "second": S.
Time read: {"hour": 2, "minute": 26}
